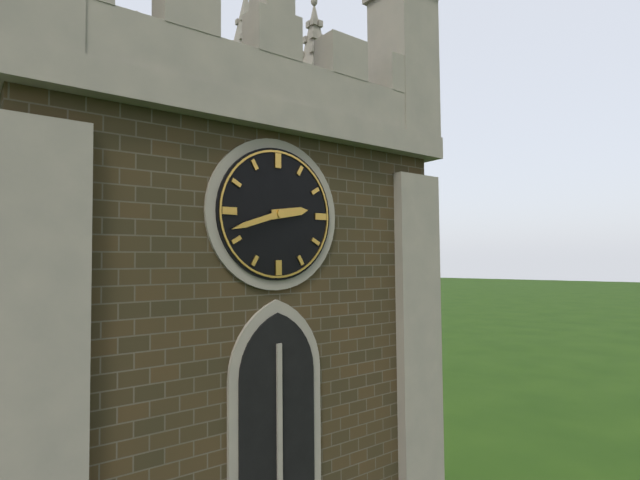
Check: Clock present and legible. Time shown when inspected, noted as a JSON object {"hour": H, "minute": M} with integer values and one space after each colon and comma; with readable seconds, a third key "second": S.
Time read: {"hour": 2, "minute": 42}
